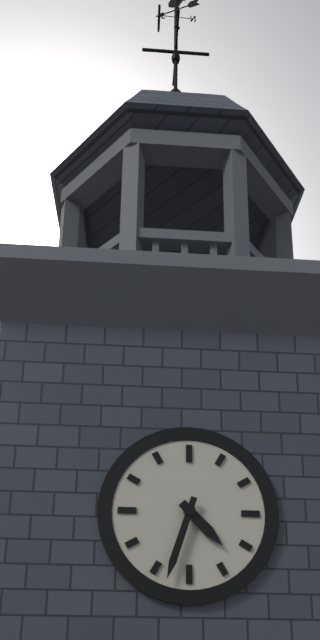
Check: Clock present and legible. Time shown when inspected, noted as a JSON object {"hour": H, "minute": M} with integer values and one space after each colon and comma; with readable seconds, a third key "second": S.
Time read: {"hour": 4, "minute": 33}
